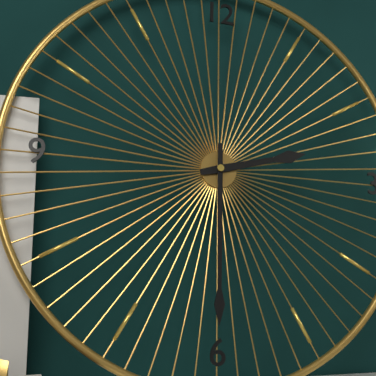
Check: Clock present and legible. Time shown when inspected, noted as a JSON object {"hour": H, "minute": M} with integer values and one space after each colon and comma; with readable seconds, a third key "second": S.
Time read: {"hour": 2, "minute": 30}
